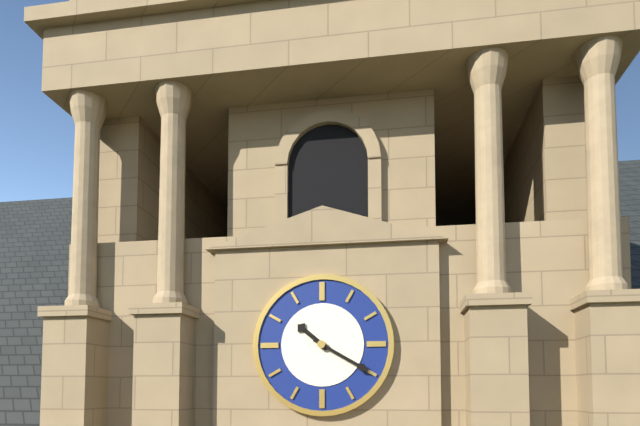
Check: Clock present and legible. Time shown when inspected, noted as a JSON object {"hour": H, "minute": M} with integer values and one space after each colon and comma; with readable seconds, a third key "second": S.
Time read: {"hour": 10, "minute": 20}
